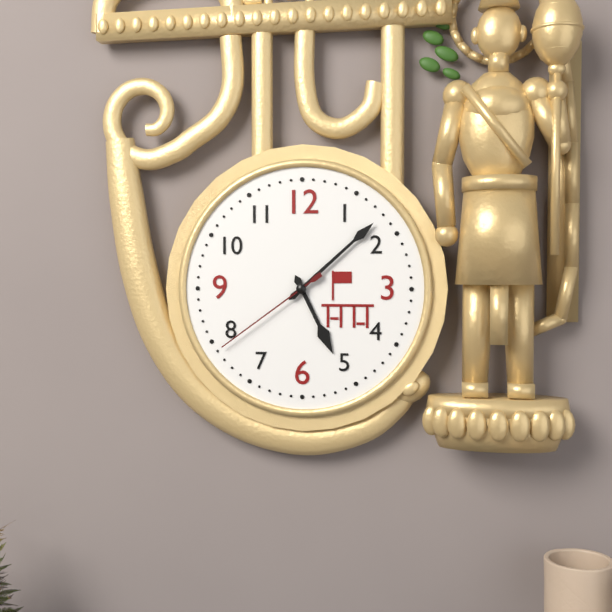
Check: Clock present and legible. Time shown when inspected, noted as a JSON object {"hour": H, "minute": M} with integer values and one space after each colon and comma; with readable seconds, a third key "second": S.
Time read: {"hour": 5, "minute": 8, "second": 39}
